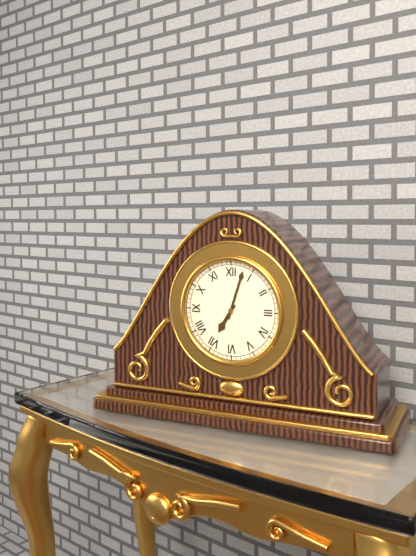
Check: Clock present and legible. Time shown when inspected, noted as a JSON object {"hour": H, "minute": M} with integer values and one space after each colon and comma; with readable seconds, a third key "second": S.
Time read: {"hour": 7, "minute": 3}
